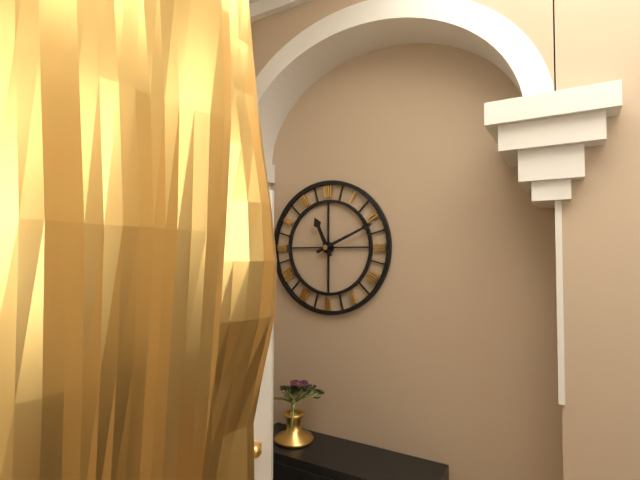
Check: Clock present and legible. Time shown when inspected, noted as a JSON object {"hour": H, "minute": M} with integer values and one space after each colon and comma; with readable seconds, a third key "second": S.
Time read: {"hour": 11, "minute": 11}
